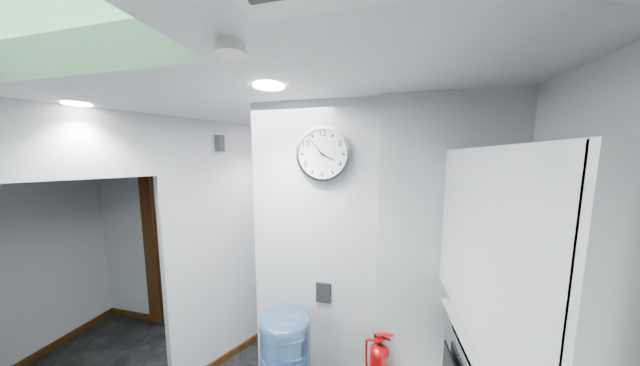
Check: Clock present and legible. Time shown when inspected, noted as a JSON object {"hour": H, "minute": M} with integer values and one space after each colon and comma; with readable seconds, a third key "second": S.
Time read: {"hour": 3, "minute": 53}
